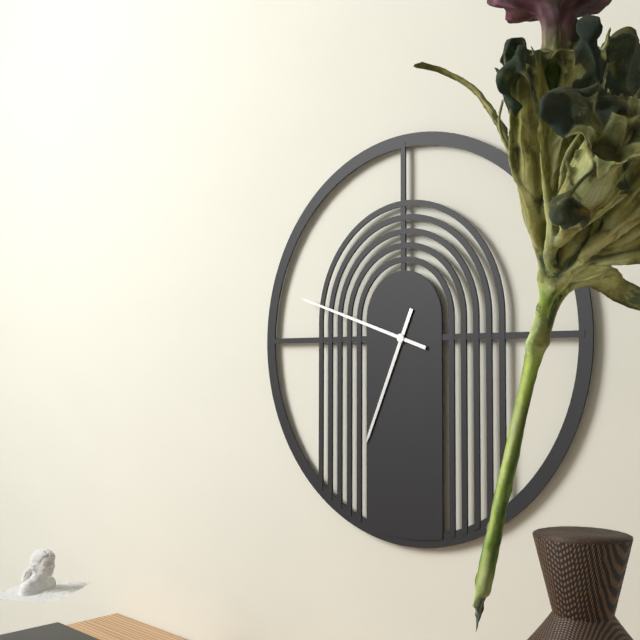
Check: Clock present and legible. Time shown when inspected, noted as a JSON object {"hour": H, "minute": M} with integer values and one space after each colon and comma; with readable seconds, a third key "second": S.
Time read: {"hour": 6, "minute": 48}
